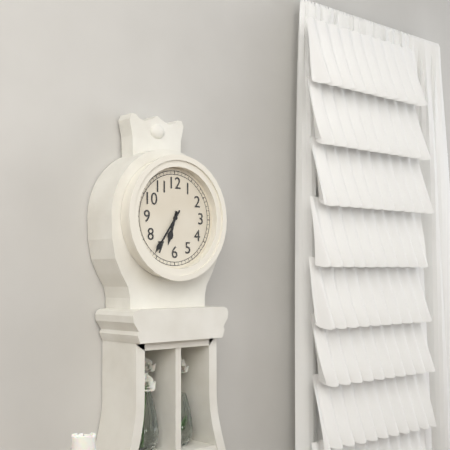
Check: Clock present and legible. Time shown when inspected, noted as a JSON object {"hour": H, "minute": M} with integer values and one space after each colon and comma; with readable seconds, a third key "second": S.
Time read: {"hour": 6, "minute": 36}
